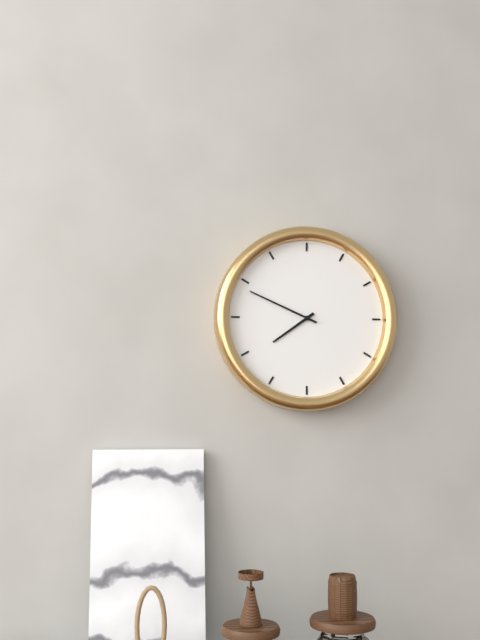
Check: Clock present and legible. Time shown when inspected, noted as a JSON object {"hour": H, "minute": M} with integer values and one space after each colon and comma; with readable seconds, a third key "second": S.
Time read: {"hour": 7, "minute": 49}
